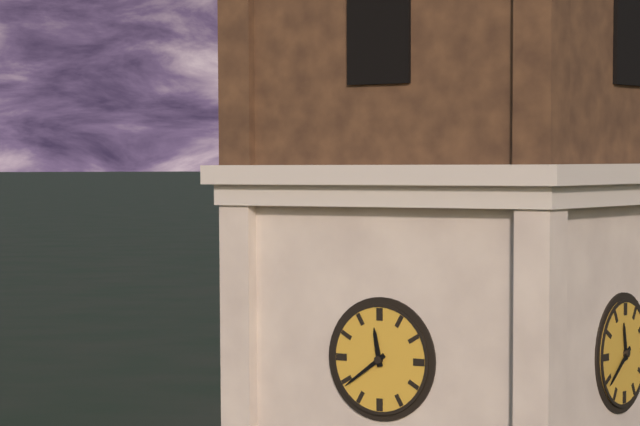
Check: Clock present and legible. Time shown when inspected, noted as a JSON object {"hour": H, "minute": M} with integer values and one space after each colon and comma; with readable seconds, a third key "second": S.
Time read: {"hour": 11, "minute": 39}
